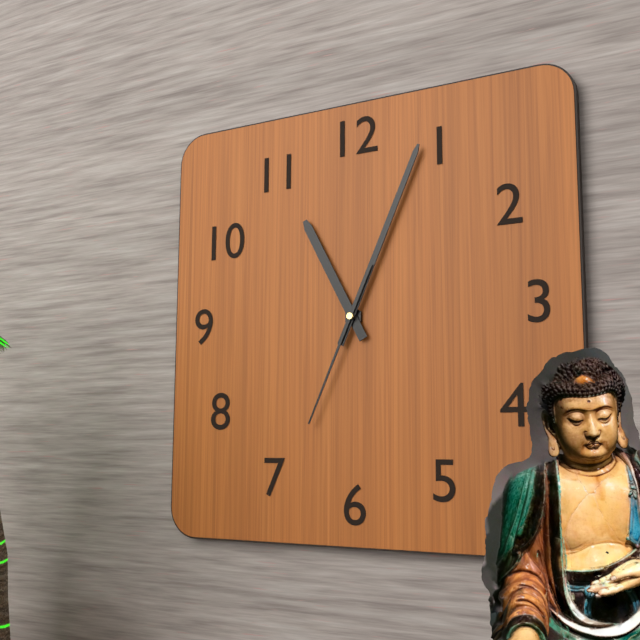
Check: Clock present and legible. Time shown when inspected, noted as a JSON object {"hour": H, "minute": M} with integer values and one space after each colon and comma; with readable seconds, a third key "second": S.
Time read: {"hour": 11, "minute": 4, "second": 34}
